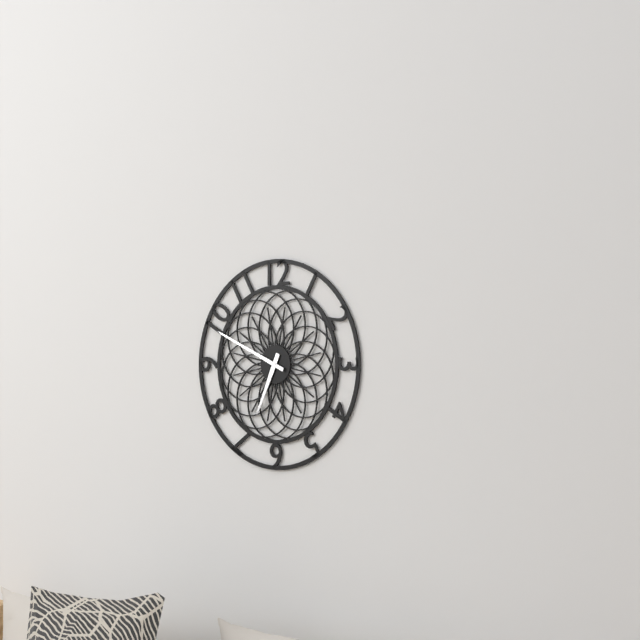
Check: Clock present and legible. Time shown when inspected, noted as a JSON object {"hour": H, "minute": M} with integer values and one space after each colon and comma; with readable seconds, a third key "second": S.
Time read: {"hour": 6, "minute": 49}
